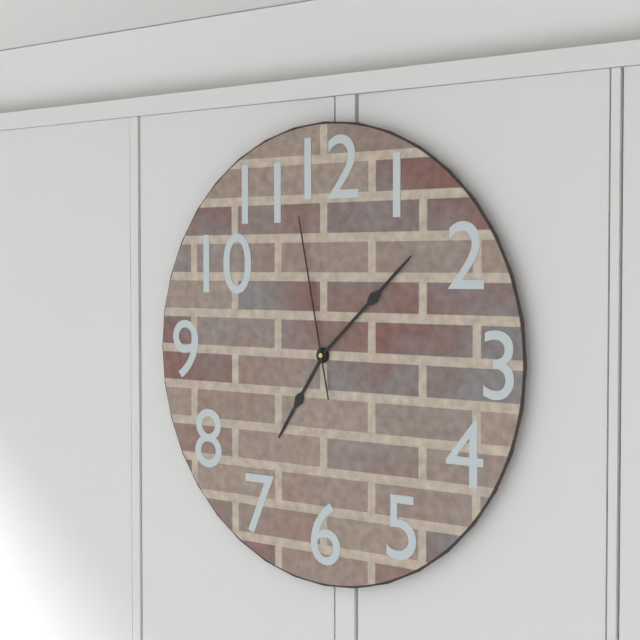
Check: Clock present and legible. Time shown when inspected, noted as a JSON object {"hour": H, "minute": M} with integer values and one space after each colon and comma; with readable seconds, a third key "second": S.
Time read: {"hour": 7, "minute": 8, "second": 58}
